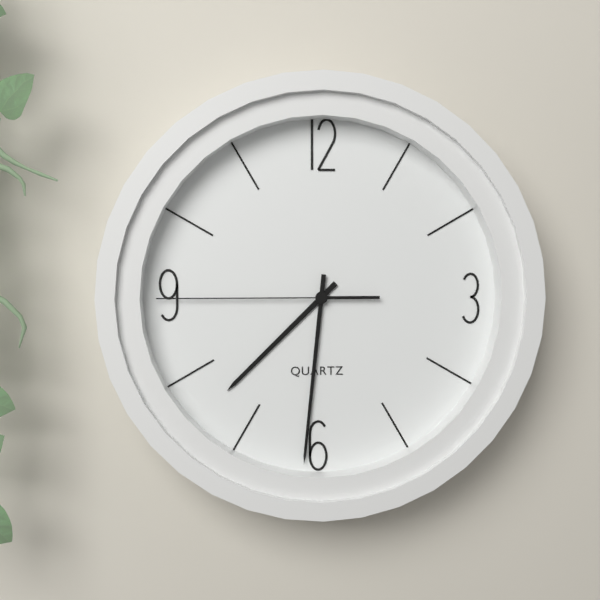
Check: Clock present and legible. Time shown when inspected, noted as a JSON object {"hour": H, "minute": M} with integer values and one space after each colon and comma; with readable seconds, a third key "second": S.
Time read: {"hour": 7, "minute": 31, "second": 45}
